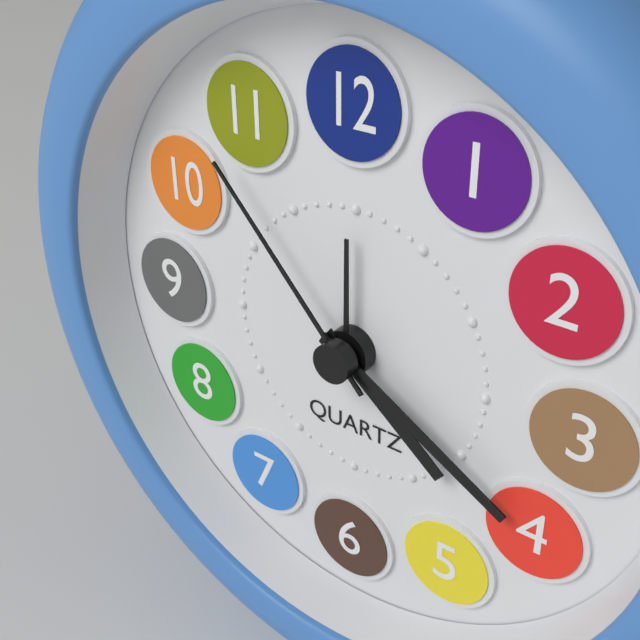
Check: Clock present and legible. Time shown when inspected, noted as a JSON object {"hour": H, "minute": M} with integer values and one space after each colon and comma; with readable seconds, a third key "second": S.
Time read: {"hour": 4, "minute": 20, "second": 53}
